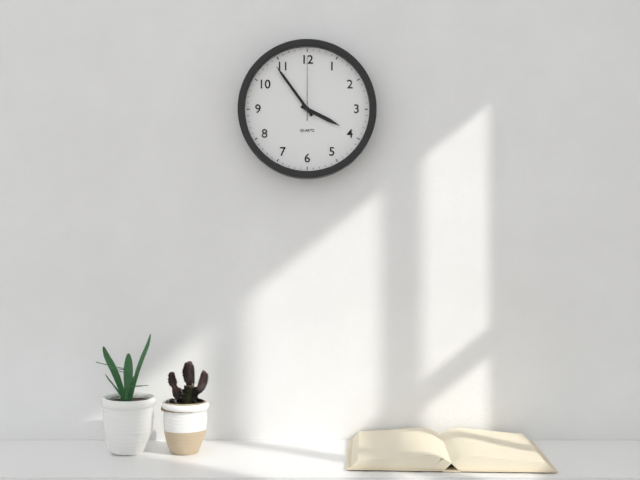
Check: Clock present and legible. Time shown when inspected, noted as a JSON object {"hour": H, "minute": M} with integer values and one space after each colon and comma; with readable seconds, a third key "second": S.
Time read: {"hour": 3, "minute": 54, "second": 0}
